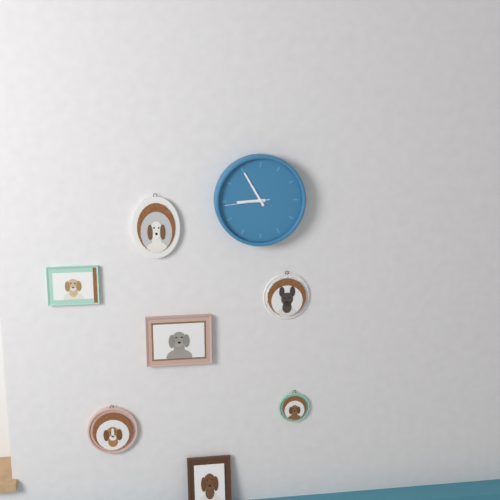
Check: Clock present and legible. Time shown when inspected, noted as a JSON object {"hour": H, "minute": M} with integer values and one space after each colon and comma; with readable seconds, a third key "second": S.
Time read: {"hour": 8, "minute": 55}
